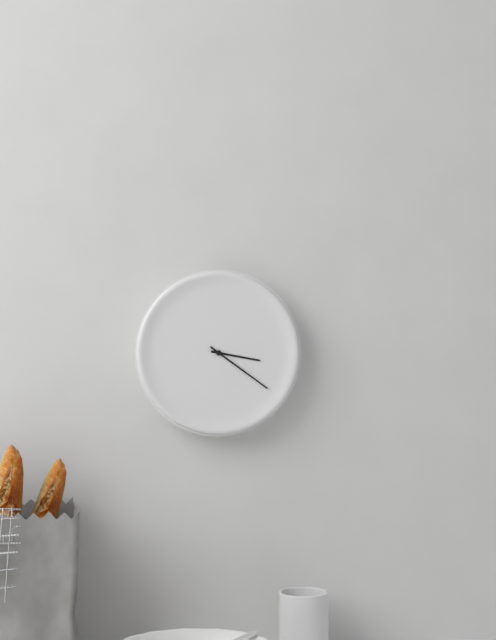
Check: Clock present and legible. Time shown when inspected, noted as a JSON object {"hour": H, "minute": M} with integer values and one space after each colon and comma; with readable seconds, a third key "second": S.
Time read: {"hour": 3, "minute": 21}
